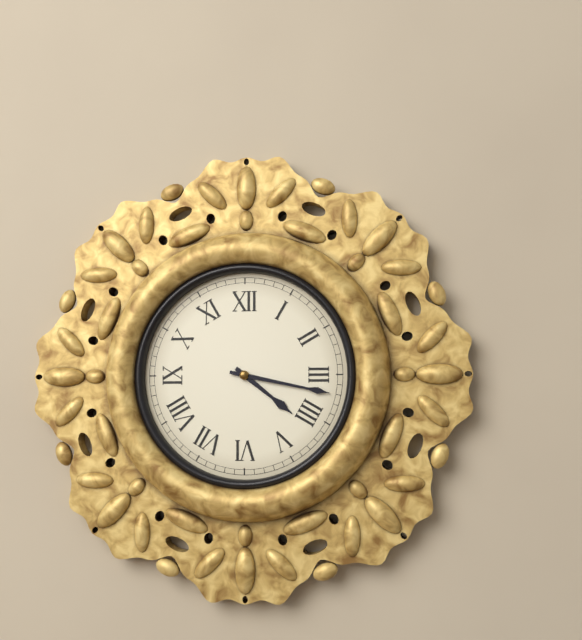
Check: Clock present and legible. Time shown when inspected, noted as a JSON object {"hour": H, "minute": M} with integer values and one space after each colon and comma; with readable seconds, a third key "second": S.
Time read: {"hour": 4, "minute": 17}
